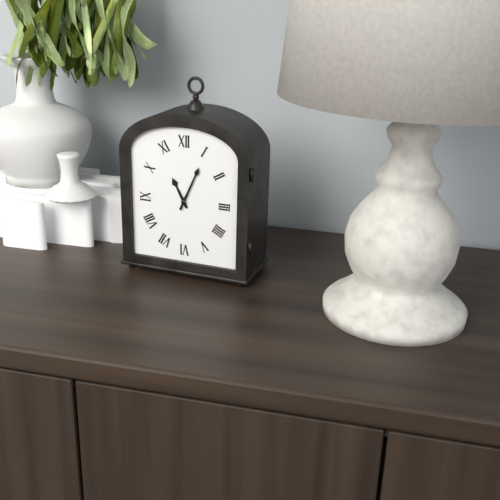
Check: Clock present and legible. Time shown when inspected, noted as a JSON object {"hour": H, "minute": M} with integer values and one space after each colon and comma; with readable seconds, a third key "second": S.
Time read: {"hour": 11, "minute": 4}
